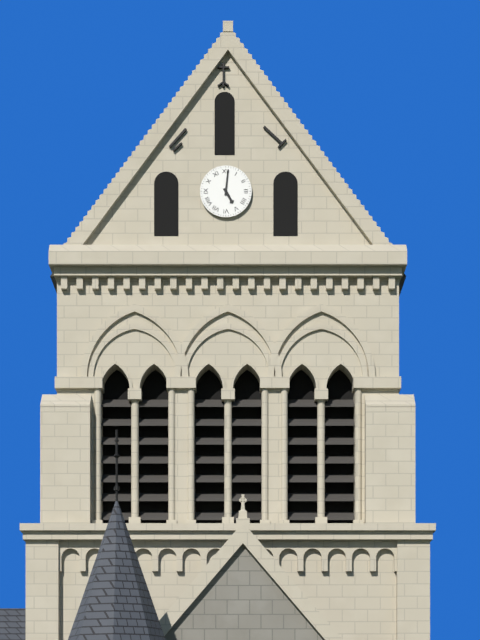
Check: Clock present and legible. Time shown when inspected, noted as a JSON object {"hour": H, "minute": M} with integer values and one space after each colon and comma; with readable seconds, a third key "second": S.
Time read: {"hour": 5, "minute": 1}
